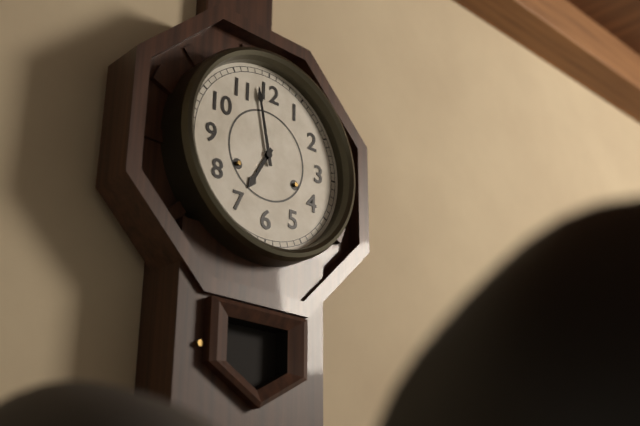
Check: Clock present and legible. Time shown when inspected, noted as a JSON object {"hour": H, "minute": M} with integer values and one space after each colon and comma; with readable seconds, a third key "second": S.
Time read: {"hour": 6, "minute": 58}
